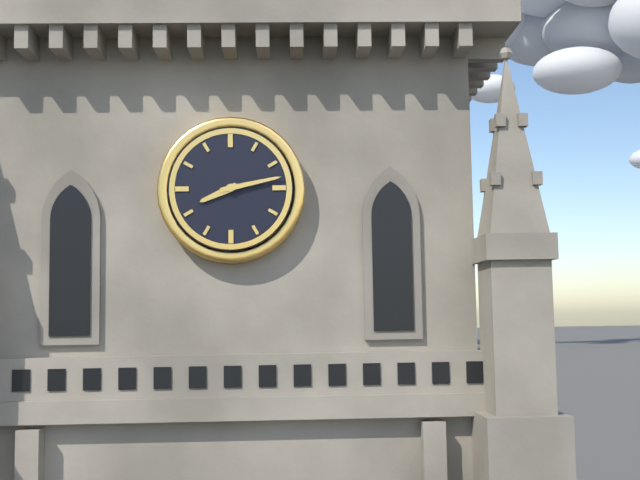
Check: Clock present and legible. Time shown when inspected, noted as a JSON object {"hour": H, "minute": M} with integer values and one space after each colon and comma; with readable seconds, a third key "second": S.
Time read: {"hour": 8, "minute": 13}
